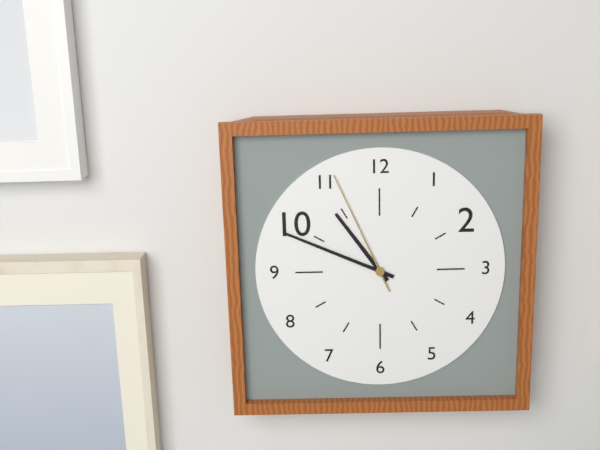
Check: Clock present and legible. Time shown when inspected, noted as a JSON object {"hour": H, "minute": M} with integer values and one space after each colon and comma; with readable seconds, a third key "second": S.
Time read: {"hour": 10, "minute": 49, "second": 56}
